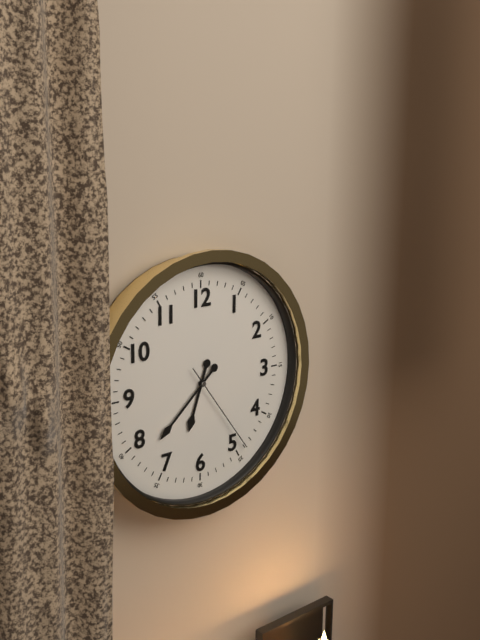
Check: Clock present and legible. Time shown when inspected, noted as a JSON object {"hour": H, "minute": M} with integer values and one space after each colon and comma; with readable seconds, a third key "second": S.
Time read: {"hour": 6, "minute": 38, "second": 24}
